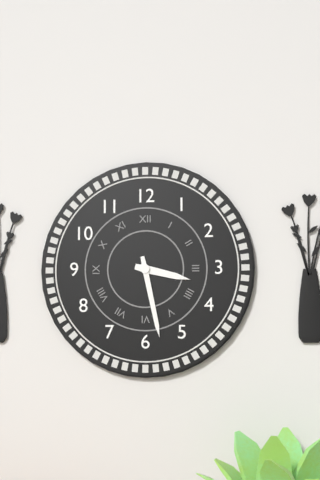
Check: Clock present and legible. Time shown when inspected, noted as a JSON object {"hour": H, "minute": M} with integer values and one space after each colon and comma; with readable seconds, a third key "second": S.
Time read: {"hour": 3, "minute": 28}
